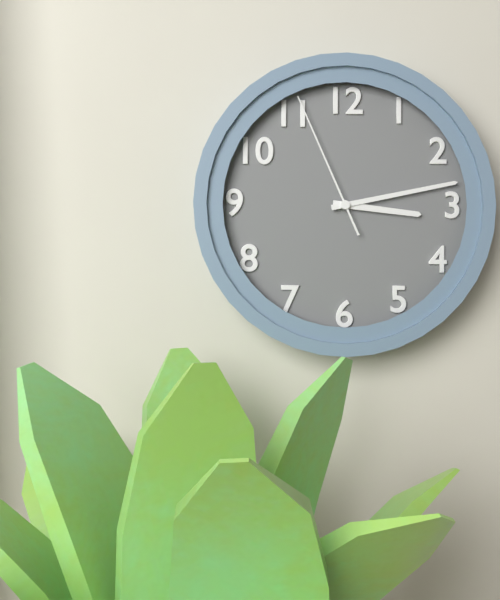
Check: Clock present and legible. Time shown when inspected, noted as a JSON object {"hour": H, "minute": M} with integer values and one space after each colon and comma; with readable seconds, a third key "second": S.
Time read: {"hour": 3, "minute": 13, "second": 56}
